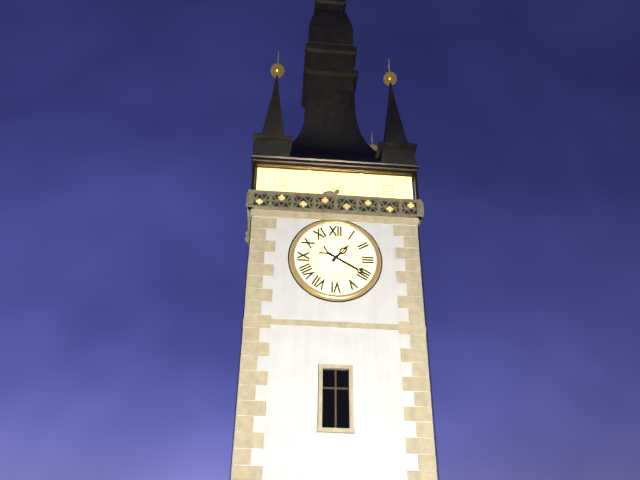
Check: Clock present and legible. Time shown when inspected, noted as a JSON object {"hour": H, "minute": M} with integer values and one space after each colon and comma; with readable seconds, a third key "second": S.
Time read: {"hour": 1, "minute": 20}
